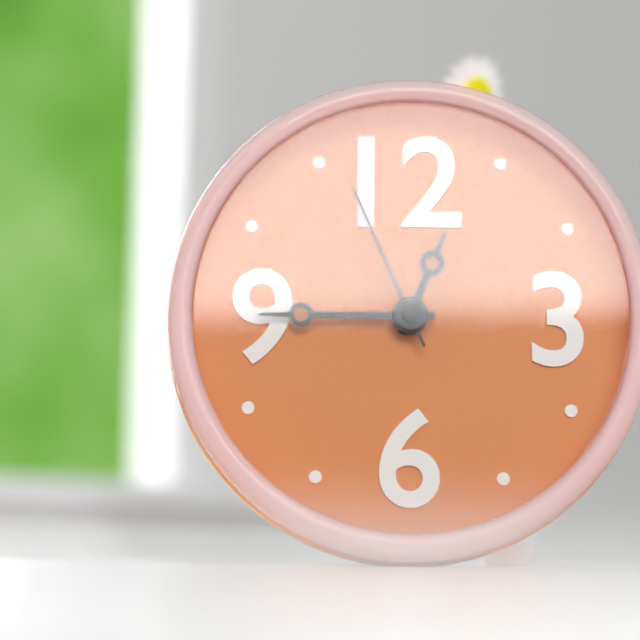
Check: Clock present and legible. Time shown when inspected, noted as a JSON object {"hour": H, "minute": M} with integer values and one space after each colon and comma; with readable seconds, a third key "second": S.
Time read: {"hour": 12, "minute": 45, "second": 56}
